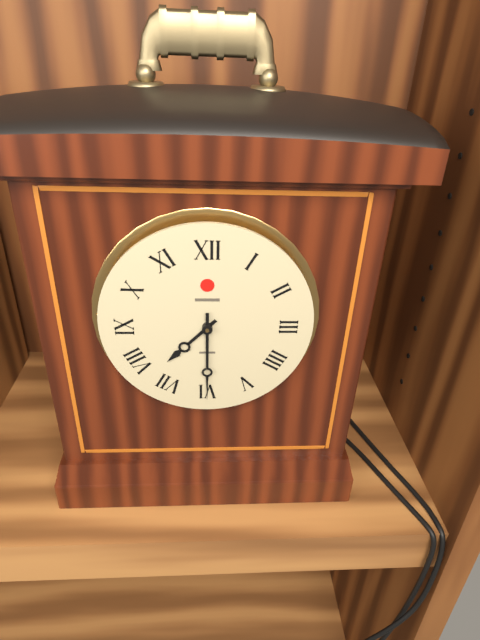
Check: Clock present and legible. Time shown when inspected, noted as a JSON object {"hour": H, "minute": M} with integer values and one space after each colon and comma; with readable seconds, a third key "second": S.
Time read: {"hour": 7, "minute": 30}
